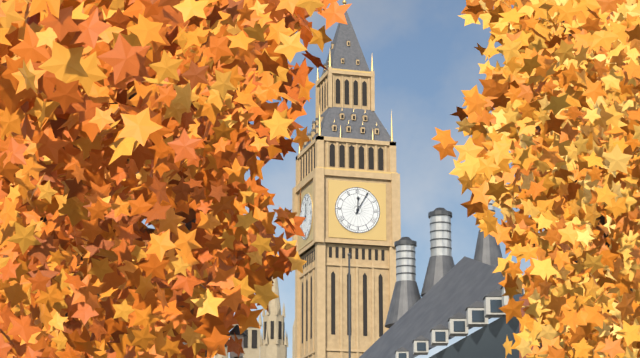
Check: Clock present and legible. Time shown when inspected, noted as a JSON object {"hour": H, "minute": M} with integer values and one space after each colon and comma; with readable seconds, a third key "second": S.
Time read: {"hour": 12, "minute": 5}
